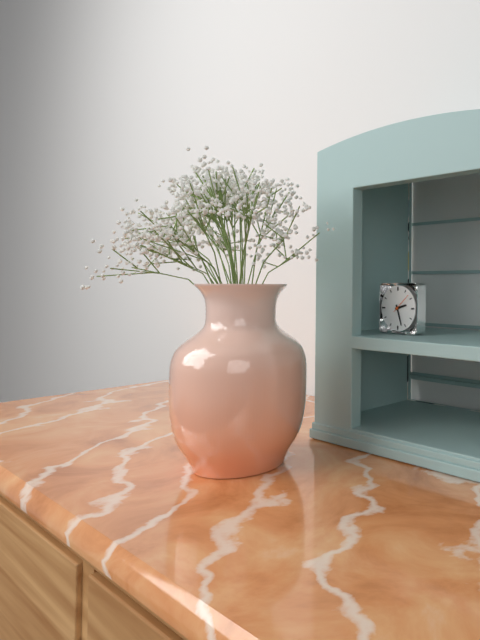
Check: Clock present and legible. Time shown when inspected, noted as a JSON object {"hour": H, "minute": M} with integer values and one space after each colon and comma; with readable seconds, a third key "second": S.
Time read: {"hour": 2, "minute": 27}
